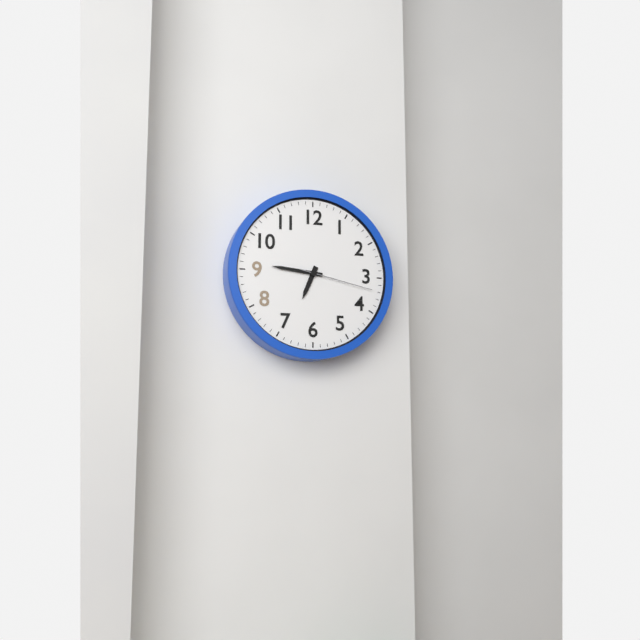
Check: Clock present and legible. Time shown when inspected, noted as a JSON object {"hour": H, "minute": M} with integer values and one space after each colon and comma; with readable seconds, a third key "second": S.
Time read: {"hour": 6, "minute": 46, "second": 17}
